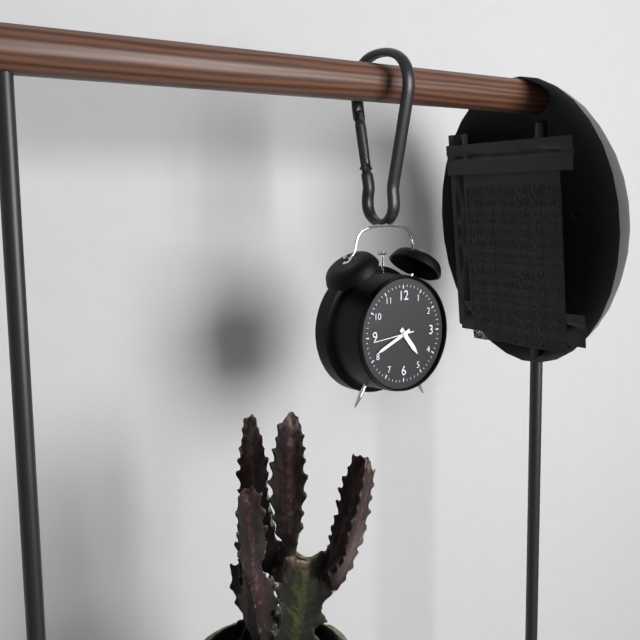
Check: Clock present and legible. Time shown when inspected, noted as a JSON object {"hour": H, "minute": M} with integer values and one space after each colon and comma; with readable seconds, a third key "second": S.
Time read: {"hour": 4, "minute": 41}
